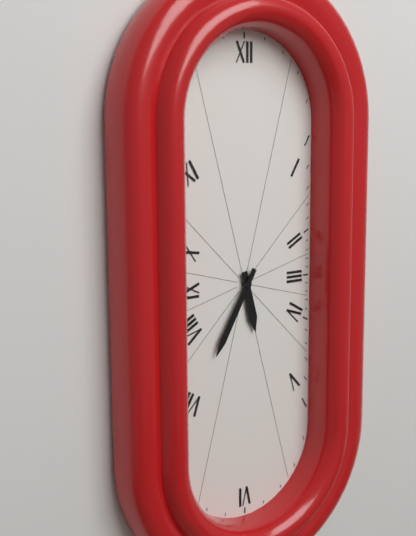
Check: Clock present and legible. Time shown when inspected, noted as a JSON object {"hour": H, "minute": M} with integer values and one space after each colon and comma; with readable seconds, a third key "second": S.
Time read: {"hour": 5, "minute": 35}
